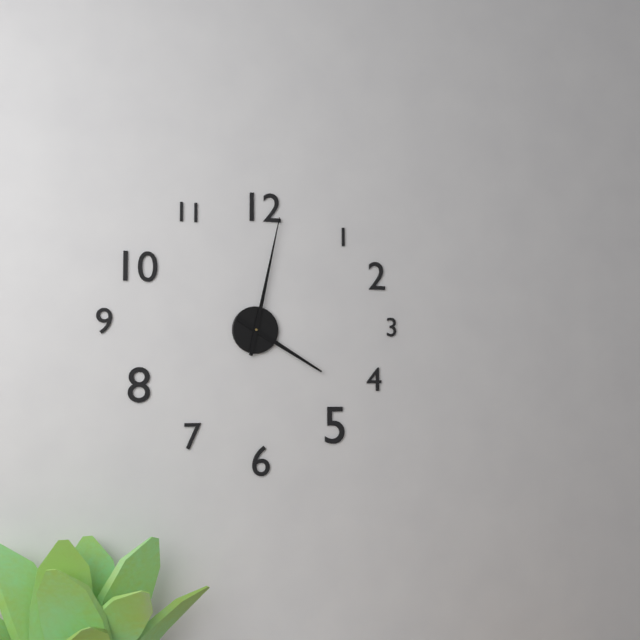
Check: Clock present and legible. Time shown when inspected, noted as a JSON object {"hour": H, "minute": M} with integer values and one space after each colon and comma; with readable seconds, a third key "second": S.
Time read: {"hour": 4, "minute": 2}
